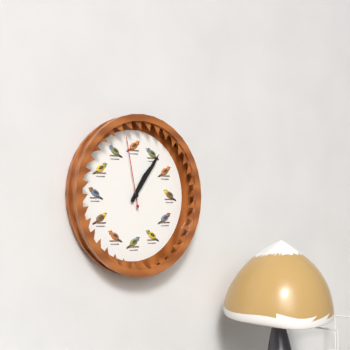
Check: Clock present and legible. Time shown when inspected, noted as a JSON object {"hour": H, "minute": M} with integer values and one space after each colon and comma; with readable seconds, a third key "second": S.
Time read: {"hour": 1, "minute": 6, "second": 58}
